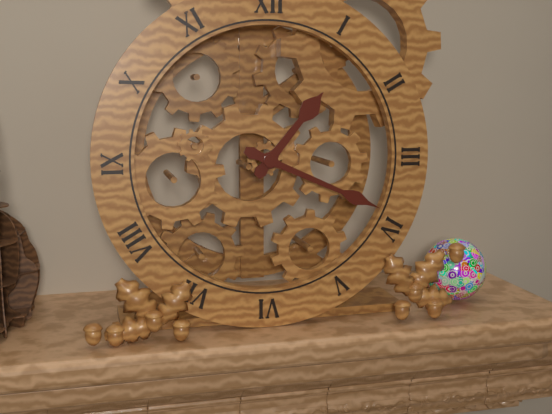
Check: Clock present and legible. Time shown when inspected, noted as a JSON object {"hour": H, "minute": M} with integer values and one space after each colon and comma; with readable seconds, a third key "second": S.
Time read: {"hour": 1, "minute": 19}
